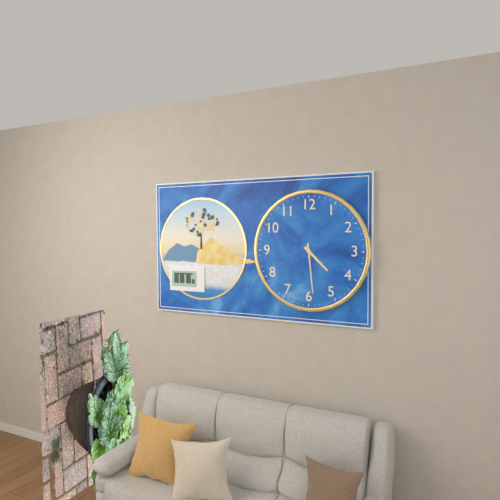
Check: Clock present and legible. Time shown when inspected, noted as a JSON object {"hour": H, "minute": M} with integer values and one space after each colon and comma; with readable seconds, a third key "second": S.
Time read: {"hour": 4, "minute": 29}
